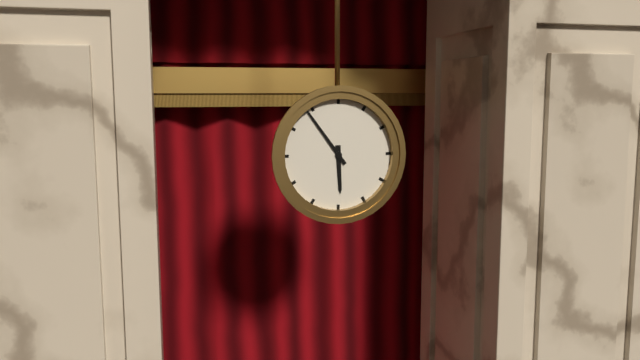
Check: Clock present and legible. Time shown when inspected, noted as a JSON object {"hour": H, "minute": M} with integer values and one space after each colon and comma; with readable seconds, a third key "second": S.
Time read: {"hour": 5, "minute": 54}
